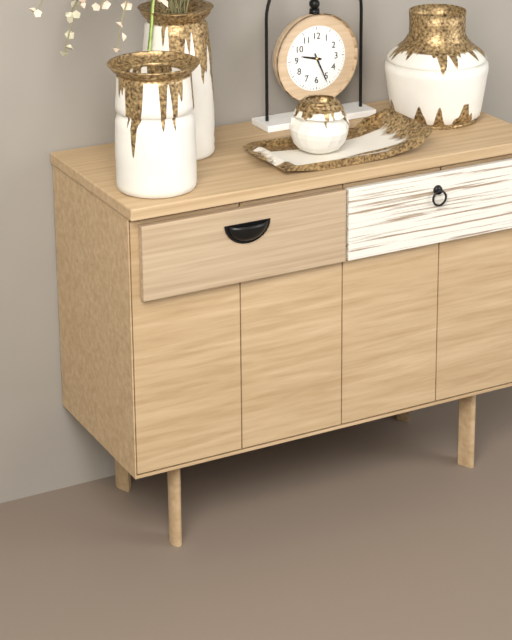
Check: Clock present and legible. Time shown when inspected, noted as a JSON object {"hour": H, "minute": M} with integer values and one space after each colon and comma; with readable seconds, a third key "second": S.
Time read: {"hour": 9, "minute": 26}
